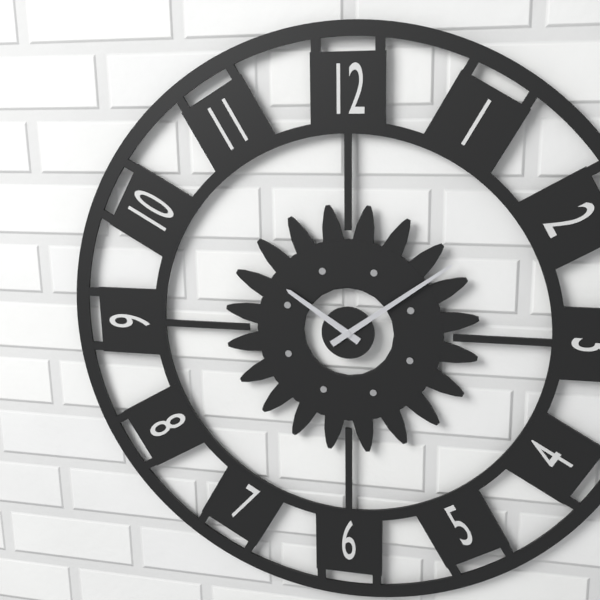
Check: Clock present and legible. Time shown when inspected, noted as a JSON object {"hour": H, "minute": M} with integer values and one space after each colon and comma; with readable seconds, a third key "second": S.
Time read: {"hour": 10, "minute": 9}
